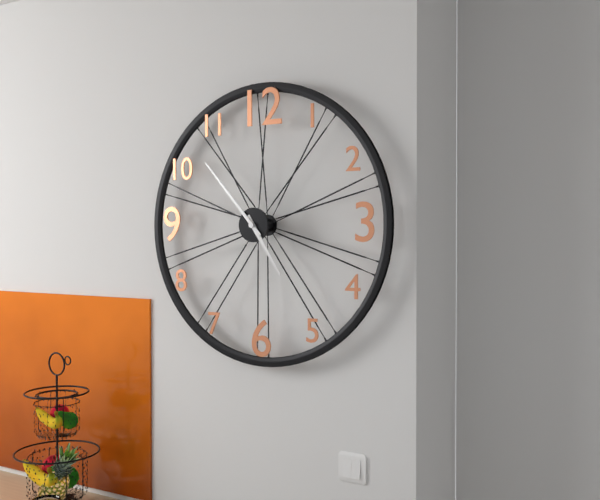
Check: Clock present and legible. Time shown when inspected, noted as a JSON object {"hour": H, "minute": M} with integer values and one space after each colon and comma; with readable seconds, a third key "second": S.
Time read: {"hour": 4, "minute": 53}
